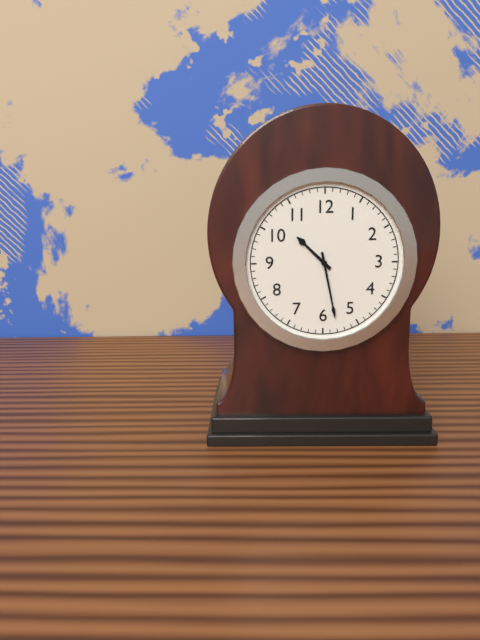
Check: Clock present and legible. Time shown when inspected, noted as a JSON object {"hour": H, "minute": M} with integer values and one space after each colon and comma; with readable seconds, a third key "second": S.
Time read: {"hour": 10, "minute": 28}
